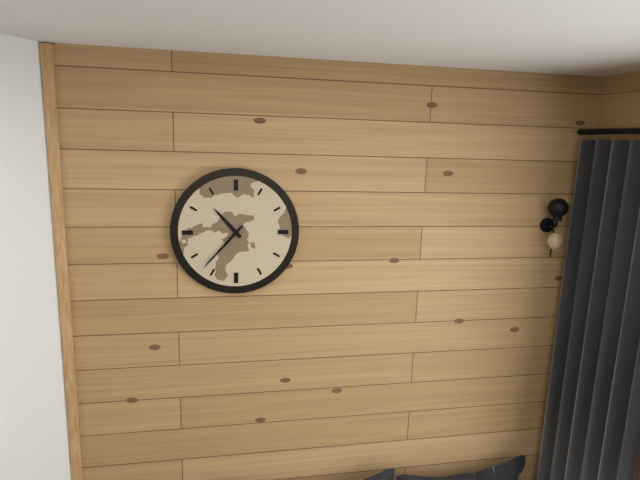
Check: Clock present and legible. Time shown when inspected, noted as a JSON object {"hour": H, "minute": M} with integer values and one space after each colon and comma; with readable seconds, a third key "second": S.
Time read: {"hour": 10, "minute": 37}
